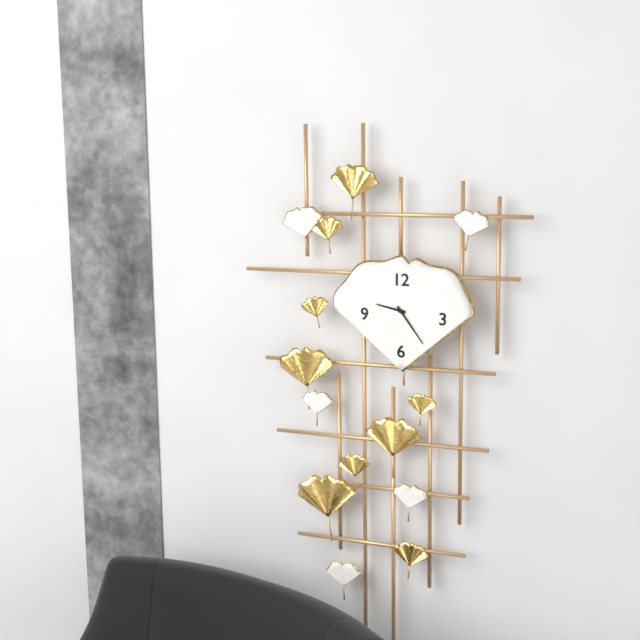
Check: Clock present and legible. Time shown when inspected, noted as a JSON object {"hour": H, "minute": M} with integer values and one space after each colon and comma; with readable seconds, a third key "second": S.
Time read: {"hour": 9, "minute": 24}
